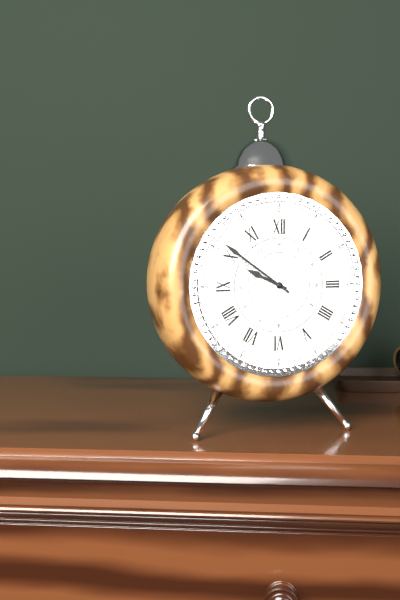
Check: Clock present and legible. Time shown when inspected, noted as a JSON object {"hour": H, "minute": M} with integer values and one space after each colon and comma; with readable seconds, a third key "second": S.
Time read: {"hour": 9, "minute": 51}
